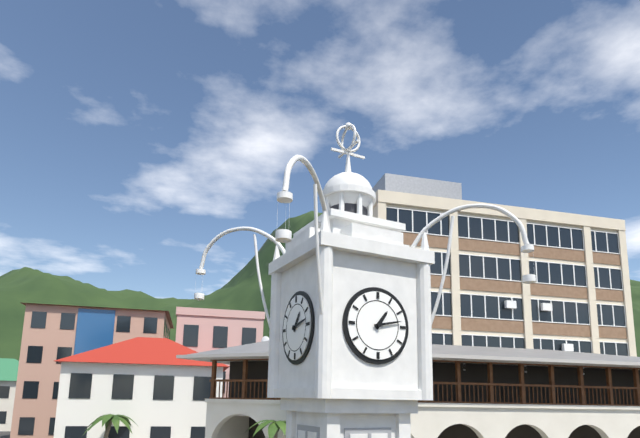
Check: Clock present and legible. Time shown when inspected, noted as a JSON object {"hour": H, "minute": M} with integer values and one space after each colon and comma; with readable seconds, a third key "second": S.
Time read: {"hour": 1, "minute": 13}
